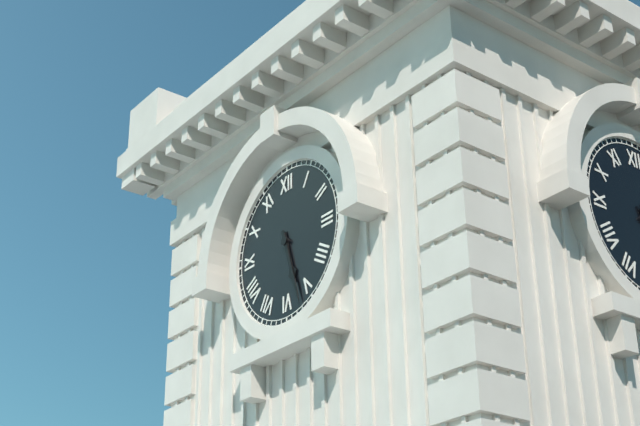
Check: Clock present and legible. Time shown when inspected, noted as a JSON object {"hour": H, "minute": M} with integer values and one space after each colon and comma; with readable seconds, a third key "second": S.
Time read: {"hour": 5, "minute": 27}
